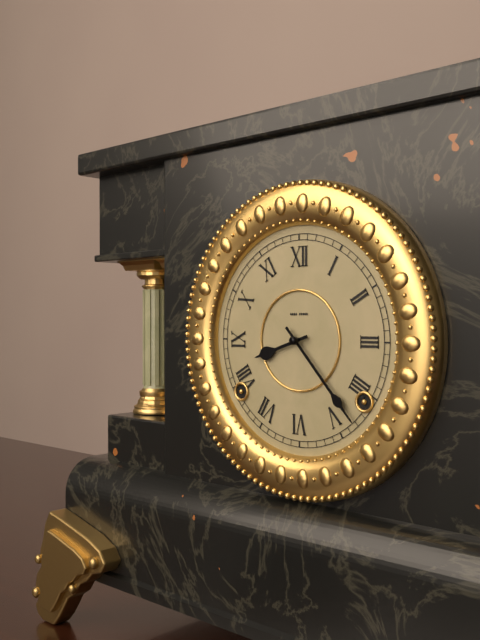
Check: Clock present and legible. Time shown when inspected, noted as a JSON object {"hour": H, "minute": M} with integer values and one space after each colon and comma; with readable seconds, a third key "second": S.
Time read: {"hour": 8, "minute": 23}
